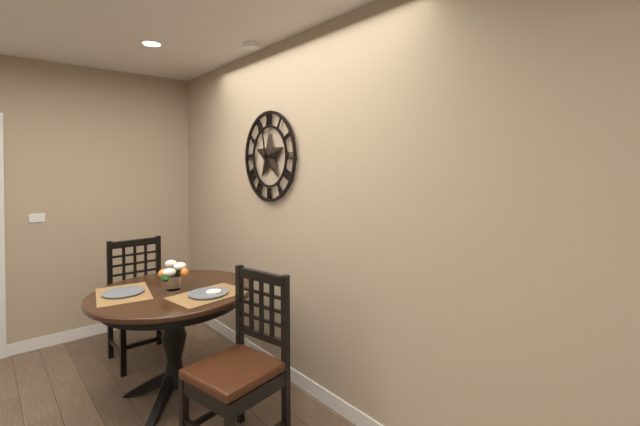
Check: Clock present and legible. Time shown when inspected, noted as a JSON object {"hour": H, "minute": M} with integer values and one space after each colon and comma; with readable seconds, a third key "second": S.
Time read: {"hour": 2, "minute": 58}
